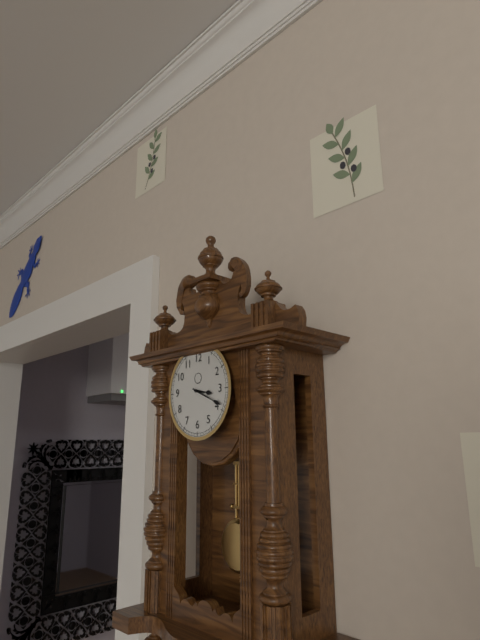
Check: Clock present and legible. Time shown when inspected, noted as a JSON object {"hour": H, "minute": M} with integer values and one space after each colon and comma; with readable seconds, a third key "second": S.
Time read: {"hour": 3, "minute": 19}
